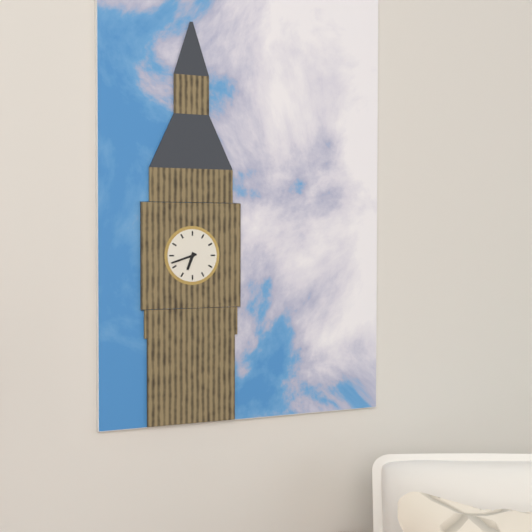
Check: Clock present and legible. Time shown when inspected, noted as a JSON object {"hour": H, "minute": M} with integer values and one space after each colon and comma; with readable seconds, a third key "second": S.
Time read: {"hour": 6, "minute": 42}
